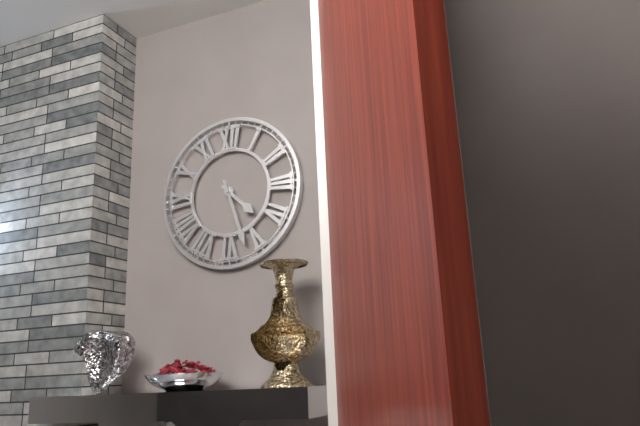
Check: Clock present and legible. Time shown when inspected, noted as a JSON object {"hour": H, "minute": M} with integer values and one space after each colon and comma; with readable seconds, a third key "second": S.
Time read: {"hour": 4, "minute": 27}
